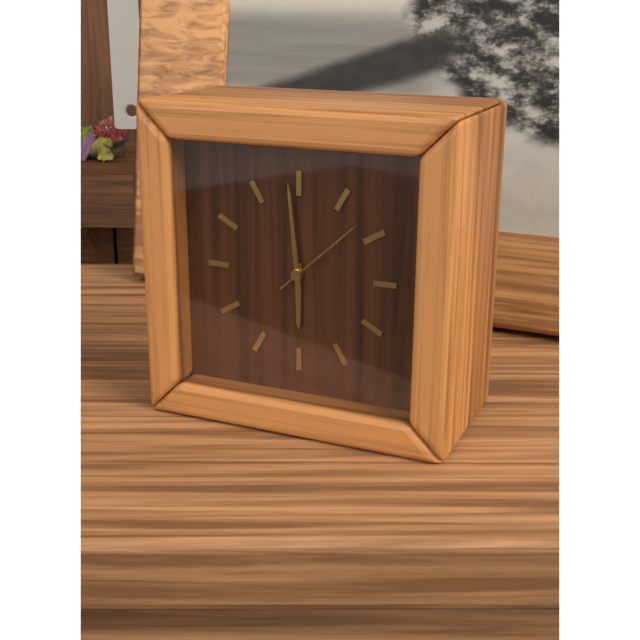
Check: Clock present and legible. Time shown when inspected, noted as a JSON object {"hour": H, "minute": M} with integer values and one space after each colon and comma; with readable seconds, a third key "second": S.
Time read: {"hour": 5, "minute": 59, "second": 8}
